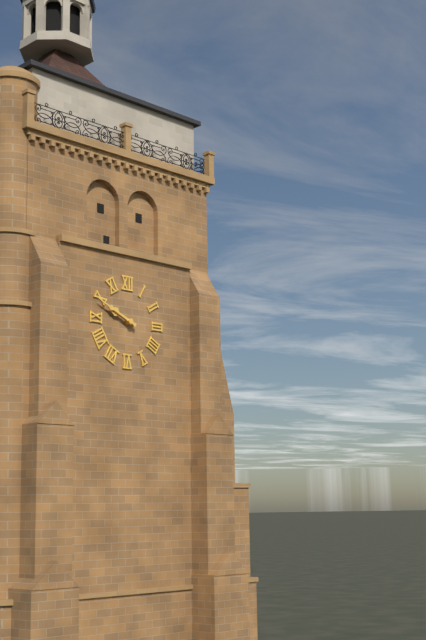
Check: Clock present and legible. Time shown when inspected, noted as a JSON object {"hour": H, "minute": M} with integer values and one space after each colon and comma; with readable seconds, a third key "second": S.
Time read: {"hour": 9, "minute": 49}
